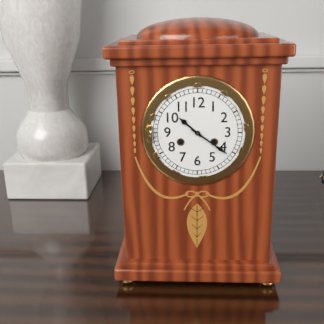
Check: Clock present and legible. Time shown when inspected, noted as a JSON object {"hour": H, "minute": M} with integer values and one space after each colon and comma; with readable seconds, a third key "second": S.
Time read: {"hour": 10, "minute": 21}
